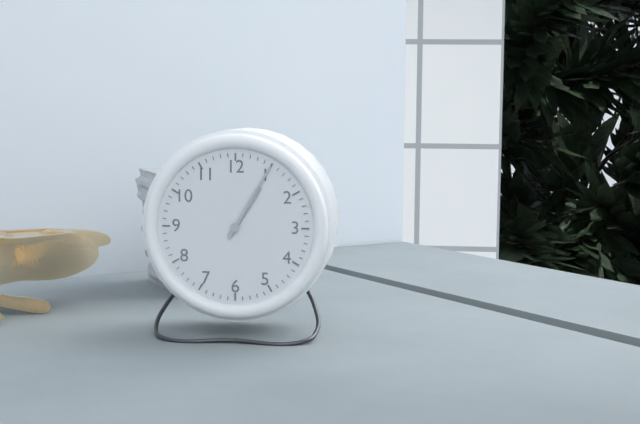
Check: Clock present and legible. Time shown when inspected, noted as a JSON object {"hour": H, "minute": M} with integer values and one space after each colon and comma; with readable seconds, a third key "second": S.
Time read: {"hour": 1, "minute": 5}
